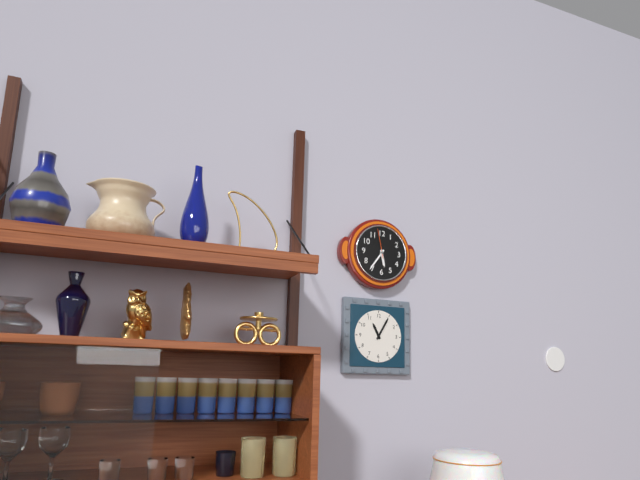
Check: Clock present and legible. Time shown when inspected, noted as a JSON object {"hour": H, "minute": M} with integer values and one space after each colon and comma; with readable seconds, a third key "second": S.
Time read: {"hour": 5, "minute": 36}
